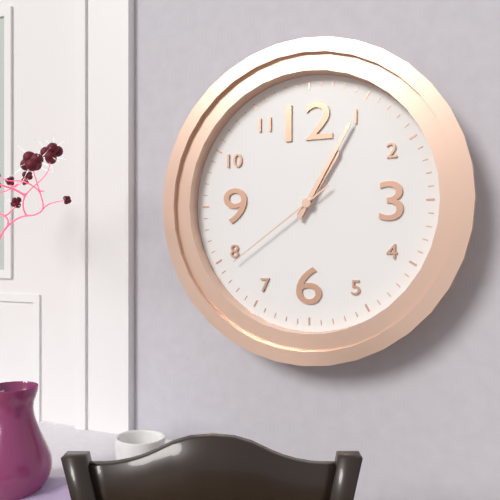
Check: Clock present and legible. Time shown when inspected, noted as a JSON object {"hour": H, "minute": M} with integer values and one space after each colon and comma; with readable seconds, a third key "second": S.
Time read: {"hour": 1, "minute": 5, "second": 39}
